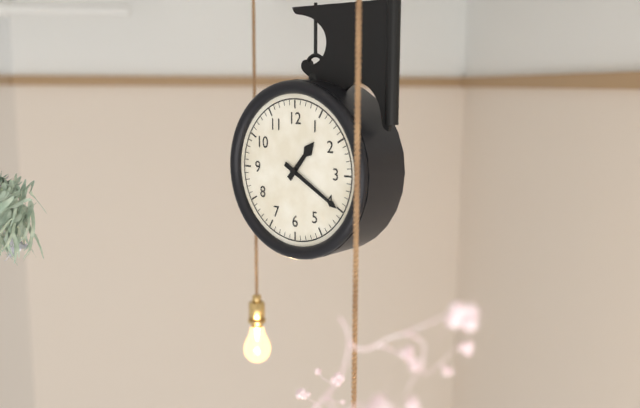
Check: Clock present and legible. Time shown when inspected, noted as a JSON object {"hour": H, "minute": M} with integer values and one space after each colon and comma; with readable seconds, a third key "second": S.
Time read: {"hour": 1, "minute": 20}
